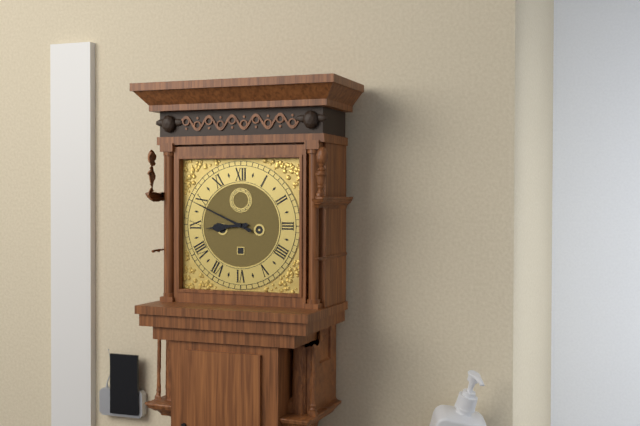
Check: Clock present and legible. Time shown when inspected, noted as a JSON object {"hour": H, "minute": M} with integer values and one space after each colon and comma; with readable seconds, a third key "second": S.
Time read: {"hour": 8, "minute": 49}
